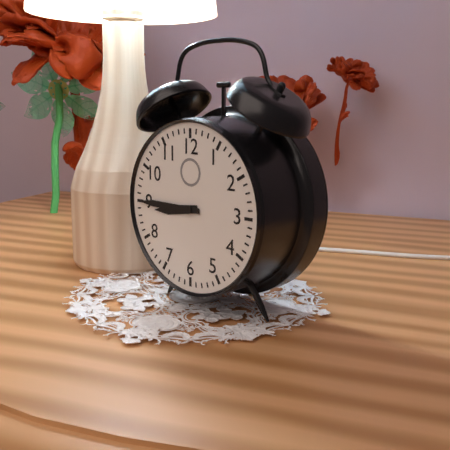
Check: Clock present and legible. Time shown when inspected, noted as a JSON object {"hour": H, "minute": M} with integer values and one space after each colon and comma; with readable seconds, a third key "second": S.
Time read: {"hour": 8, "minute": 45}
